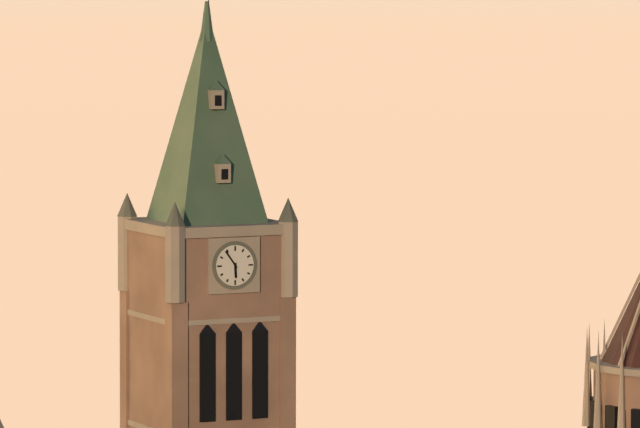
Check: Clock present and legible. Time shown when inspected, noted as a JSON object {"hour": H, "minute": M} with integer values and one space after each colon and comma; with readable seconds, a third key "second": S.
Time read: {"hour": 5, "minute": 54}
